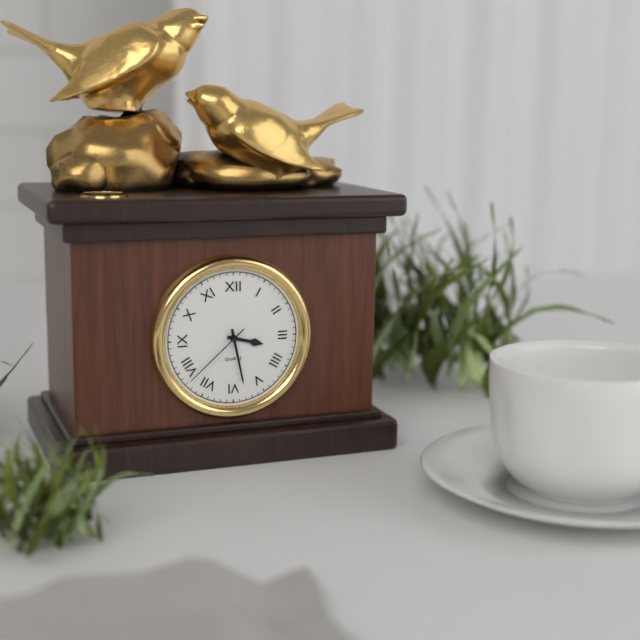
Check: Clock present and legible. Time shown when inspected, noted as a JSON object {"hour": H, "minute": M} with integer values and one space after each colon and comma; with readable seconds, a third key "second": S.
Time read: {"hour": 3, "minute": 28, "second": 38}
